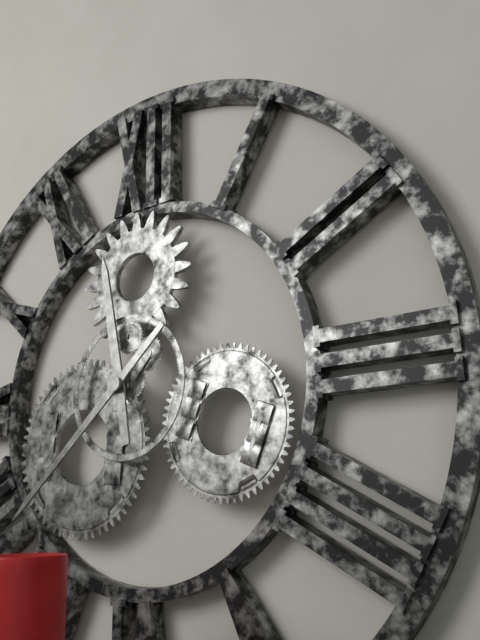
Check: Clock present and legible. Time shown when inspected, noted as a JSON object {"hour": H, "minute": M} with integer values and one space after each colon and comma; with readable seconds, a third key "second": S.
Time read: {"hour": 11, "minute": 38}
